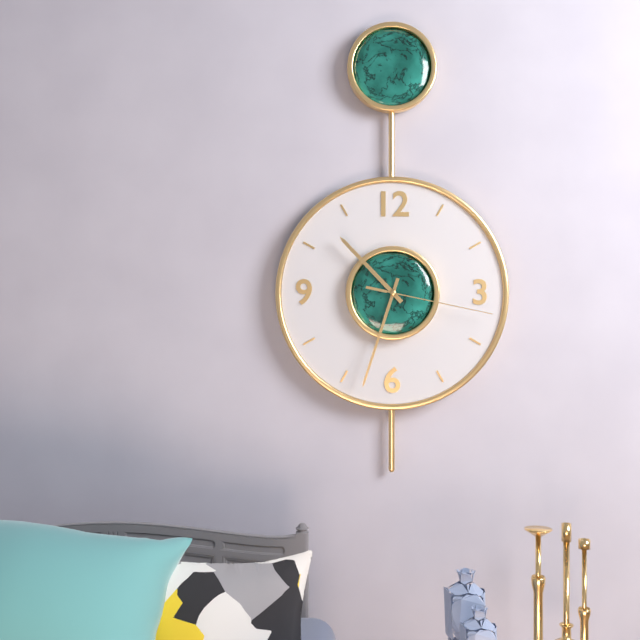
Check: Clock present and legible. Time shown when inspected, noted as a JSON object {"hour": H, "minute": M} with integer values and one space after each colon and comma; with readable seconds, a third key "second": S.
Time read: {"hour": 10, "minute": 33, "second": 17}
